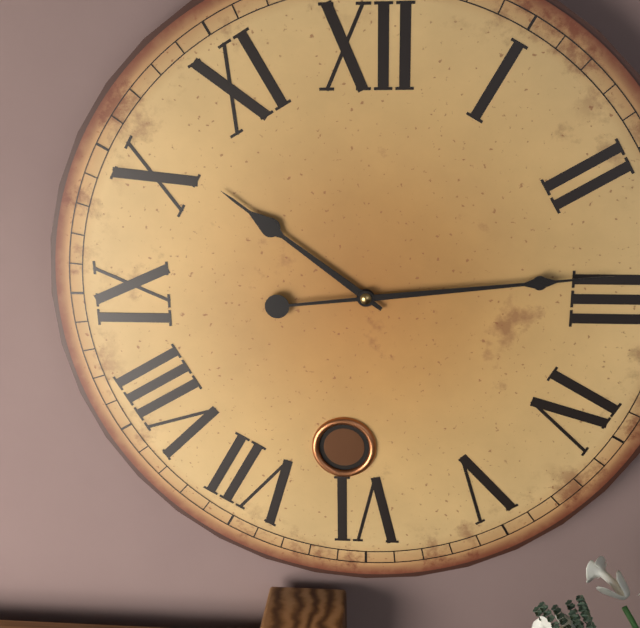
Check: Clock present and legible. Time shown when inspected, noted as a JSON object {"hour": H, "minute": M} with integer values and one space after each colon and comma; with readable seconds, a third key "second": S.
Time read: {"hour": 10, "minute": 14}
